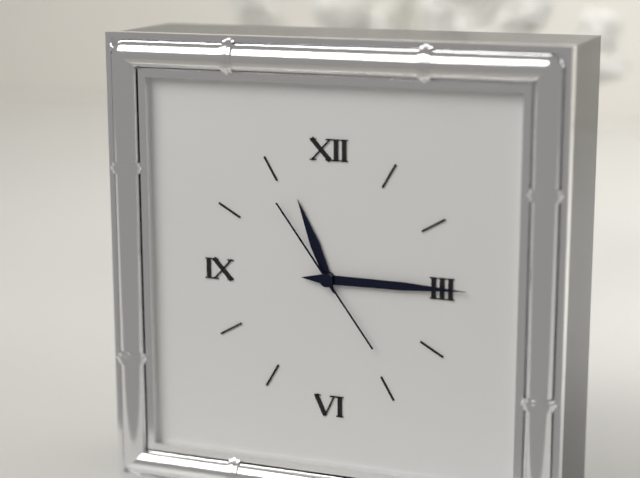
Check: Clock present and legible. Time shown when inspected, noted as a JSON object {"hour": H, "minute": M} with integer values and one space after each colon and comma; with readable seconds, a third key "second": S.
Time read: {"hour": 11, "minute": 15, "second": 54}
